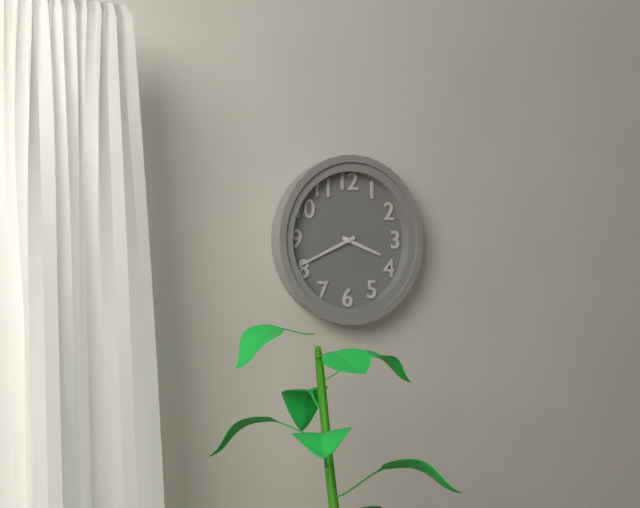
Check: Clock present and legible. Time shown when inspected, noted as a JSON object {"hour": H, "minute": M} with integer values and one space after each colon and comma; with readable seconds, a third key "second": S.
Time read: {"hour": 3, "minute": 41}
